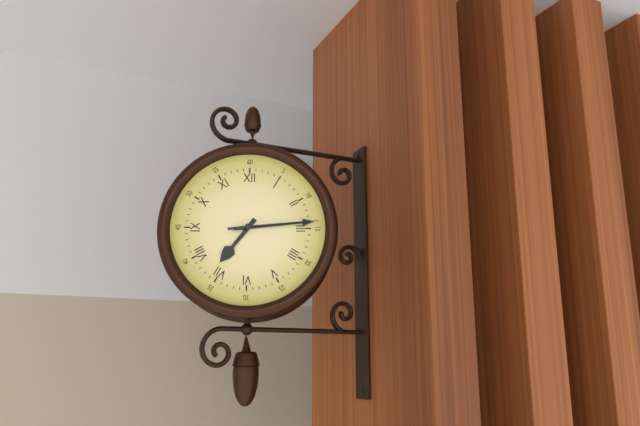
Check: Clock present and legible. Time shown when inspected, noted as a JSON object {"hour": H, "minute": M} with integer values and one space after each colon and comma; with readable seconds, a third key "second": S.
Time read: {"hour": 7, "minute": 14, "second": 14}
